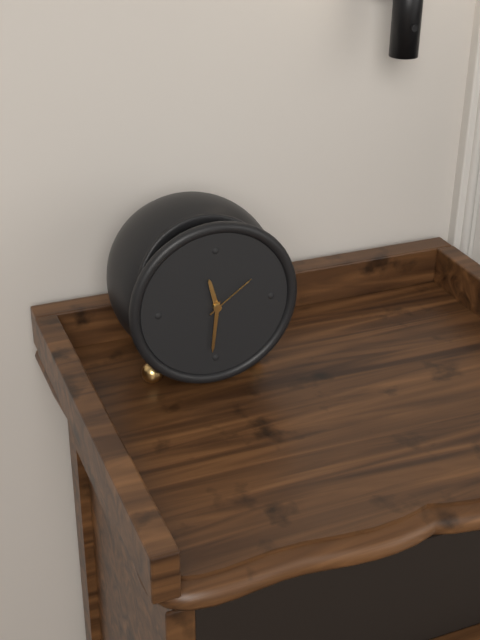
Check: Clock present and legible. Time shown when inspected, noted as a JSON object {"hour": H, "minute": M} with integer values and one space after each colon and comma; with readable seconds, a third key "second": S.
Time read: {"hour": 11, "minute": 31, "second": 9}
